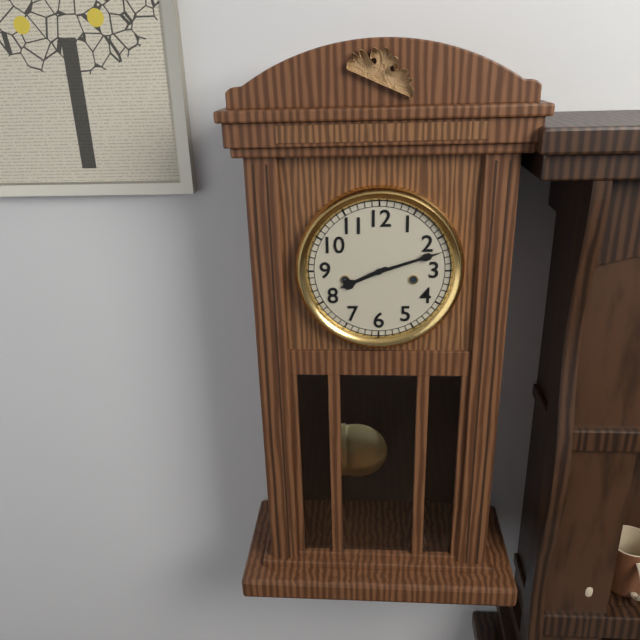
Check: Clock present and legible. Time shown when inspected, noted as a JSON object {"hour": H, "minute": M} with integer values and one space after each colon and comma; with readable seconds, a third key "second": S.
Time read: {"hour": 8, "minute": 12}
